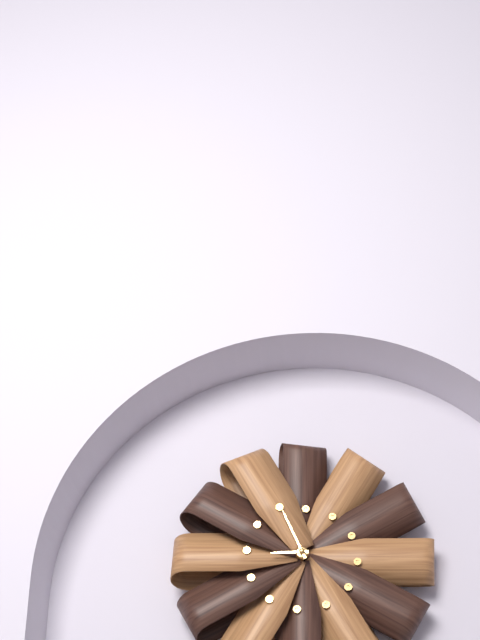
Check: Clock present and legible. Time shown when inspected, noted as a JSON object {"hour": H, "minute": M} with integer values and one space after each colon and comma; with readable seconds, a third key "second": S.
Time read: {"hour": 8, "minute": 56}
